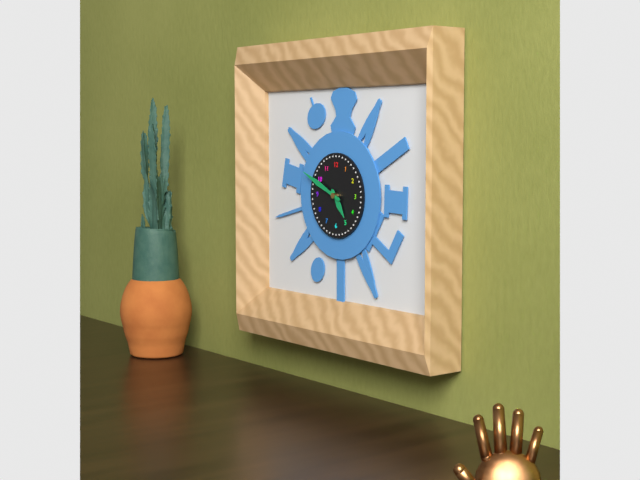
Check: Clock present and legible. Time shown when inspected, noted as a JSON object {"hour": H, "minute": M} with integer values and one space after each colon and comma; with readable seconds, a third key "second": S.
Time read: {"hour": 4, "minute": 49}
